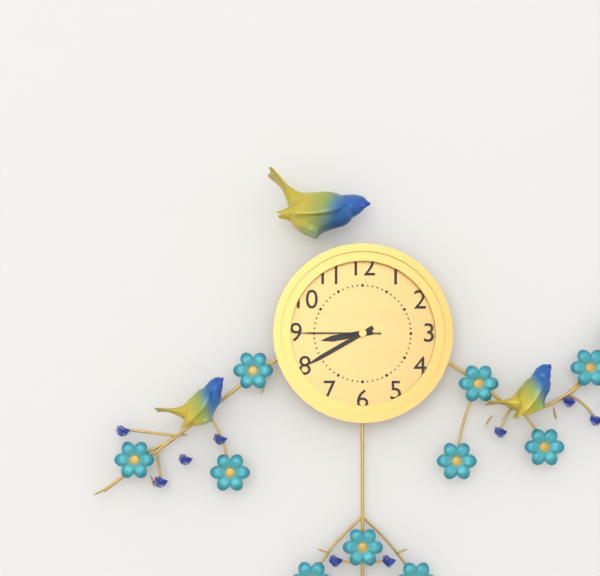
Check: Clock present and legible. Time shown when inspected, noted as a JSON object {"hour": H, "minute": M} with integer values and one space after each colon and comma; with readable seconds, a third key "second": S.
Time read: {"hour": 8, "minute": 40, "second": 45}
